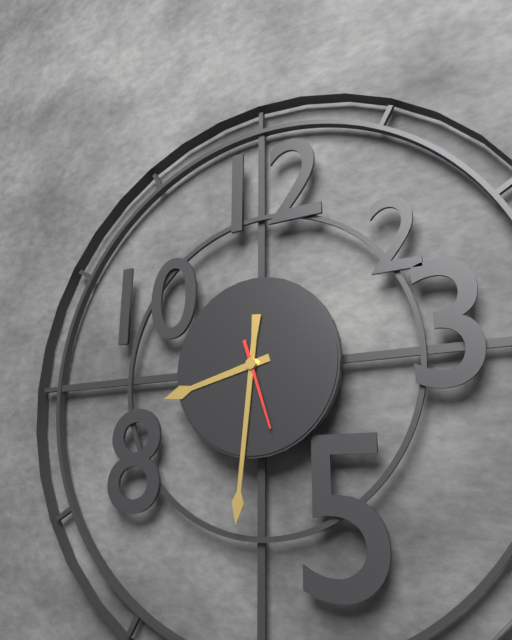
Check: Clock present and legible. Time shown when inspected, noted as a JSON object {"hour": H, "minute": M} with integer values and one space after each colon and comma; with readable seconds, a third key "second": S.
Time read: {"hour": 8, "minute": 31, "second": 27}
